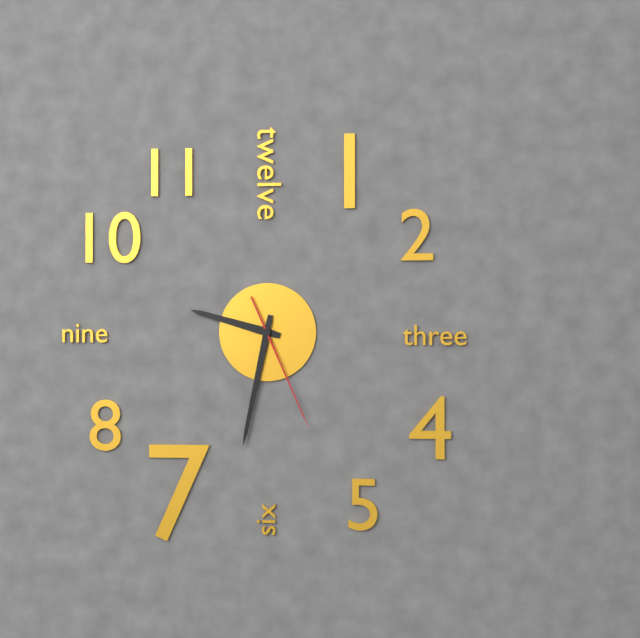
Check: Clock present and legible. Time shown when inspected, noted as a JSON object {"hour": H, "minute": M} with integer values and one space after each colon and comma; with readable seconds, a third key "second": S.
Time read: {"hour": 9, "minute": 32, "second": 26}
